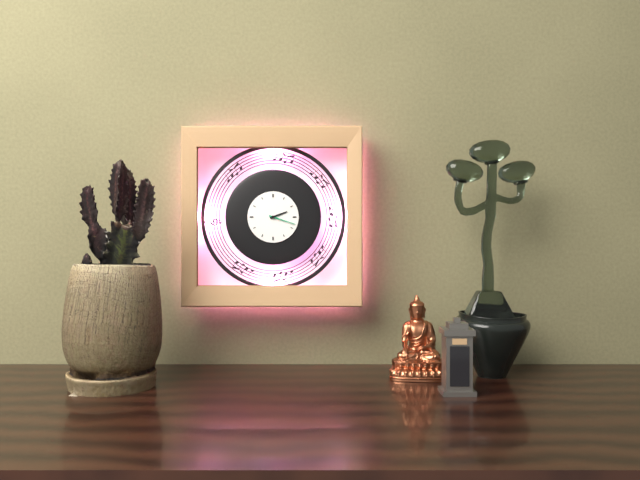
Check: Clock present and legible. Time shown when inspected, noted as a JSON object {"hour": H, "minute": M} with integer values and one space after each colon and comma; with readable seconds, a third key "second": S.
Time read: {"hour": 2, "minute": 18}
